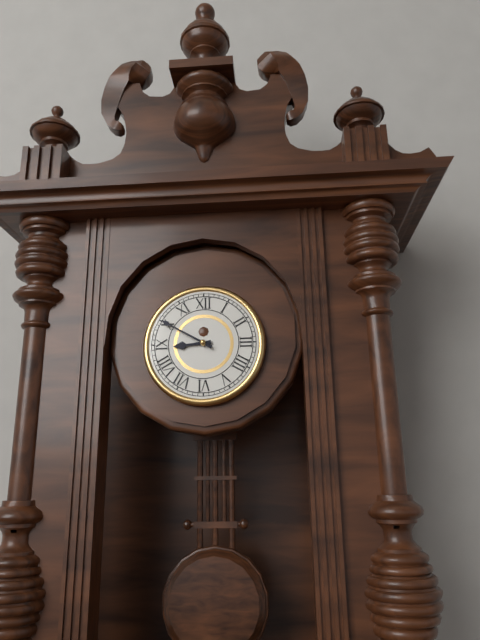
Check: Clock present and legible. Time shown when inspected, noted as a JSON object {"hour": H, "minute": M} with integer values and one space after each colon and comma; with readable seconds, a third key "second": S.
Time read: {"hour": 8, "minute": 50}
